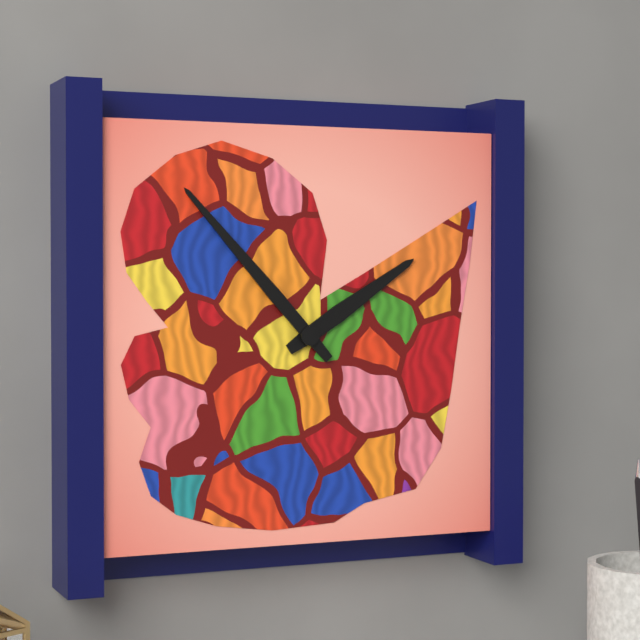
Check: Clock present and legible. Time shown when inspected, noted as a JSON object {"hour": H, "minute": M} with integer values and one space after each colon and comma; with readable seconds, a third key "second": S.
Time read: {"hour": 1, "minute": 53}
